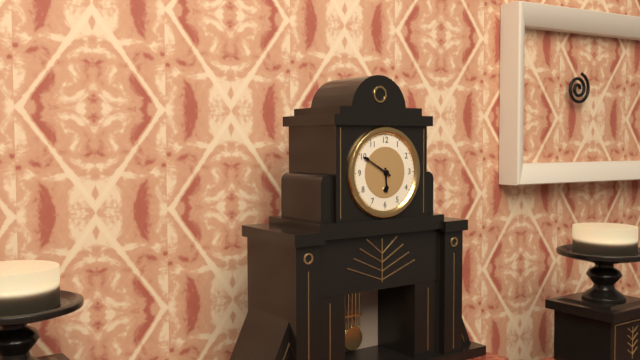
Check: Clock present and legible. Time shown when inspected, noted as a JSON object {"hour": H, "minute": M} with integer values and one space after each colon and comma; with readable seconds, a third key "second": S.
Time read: {"hour": 5, "minute": 50}
